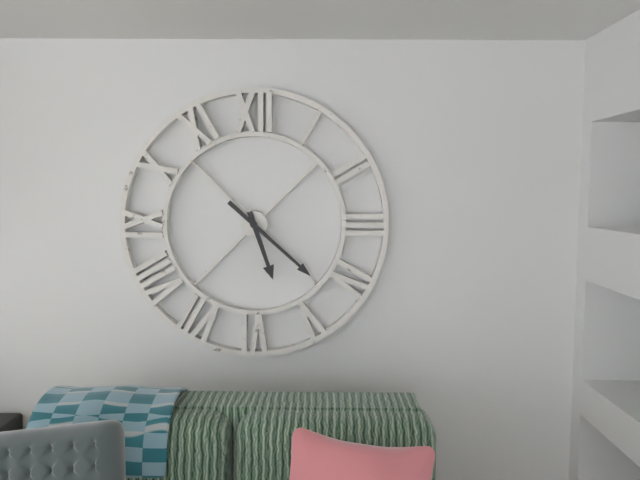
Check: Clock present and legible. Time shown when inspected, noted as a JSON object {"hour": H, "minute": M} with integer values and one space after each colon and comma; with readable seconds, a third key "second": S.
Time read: {"hour": 5, "minute": 22}
